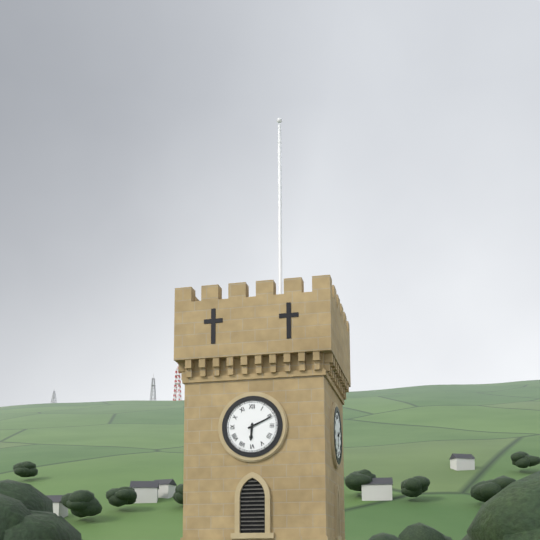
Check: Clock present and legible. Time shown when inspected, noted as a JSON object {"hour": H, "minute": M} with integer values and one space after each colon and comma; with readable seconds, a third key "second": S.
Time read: {"hour": 6, "minute": 11}
